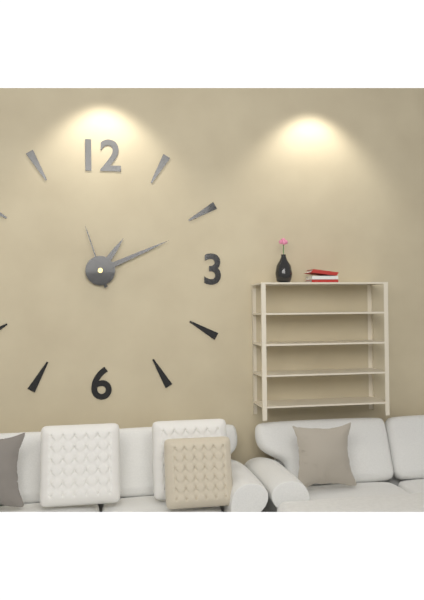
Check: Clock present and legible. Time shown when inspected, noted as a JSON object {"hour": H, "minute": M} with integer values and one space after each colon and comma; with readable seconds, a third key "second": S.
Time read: {"hour": 1, "minute": 11, "second": 57}
